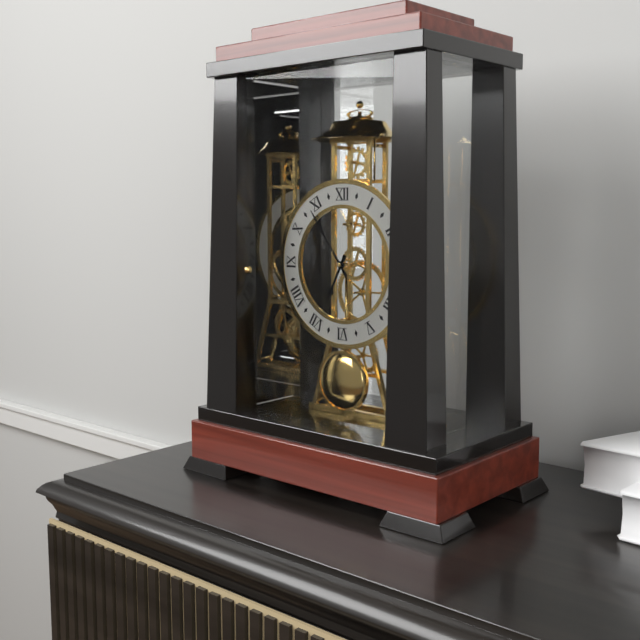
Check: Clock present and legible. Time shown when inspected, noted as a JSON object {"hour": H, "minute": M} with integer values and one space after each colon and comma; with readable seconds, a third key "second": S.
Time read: {"hour": 6, "minute": 54}
